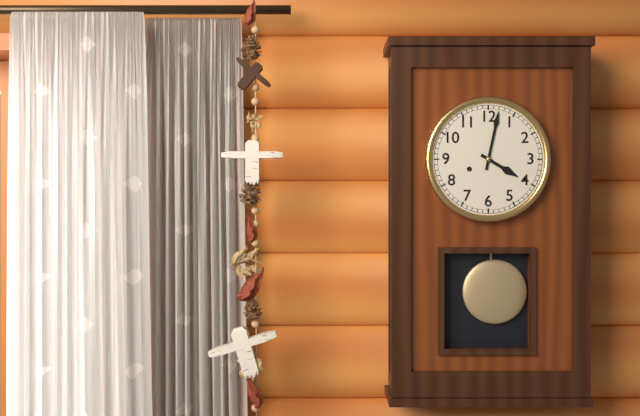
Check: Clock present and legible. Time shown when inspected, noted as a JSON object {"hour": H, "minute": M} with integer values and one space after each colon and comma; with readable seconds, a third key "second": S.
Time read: {"hour": 4, "minute": 2}
